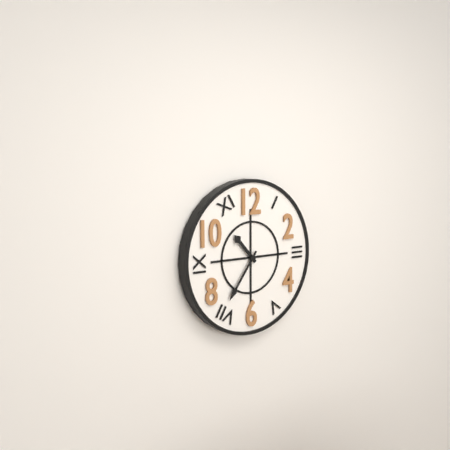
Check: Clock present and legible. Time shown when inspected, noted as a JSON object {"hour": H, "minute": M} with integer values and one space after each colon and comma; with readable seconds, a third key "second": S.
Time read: {"hour": 10, "minute": 36}
